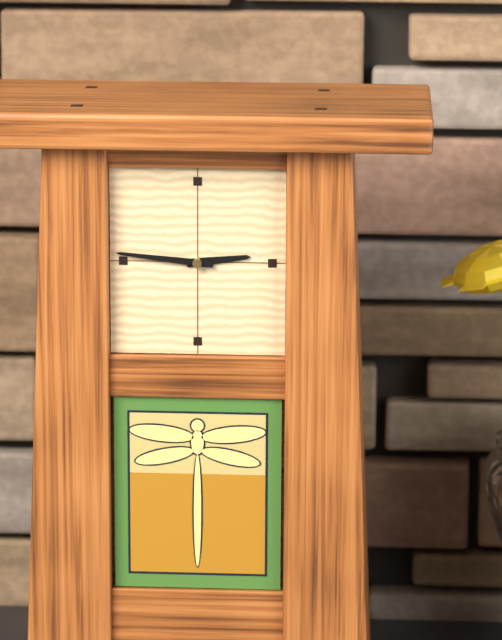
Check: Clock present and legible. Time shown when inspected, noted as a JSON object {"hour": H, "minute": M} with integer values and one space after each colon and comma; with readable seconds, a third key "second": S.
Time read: {"hour": 2, "minute": 46}
